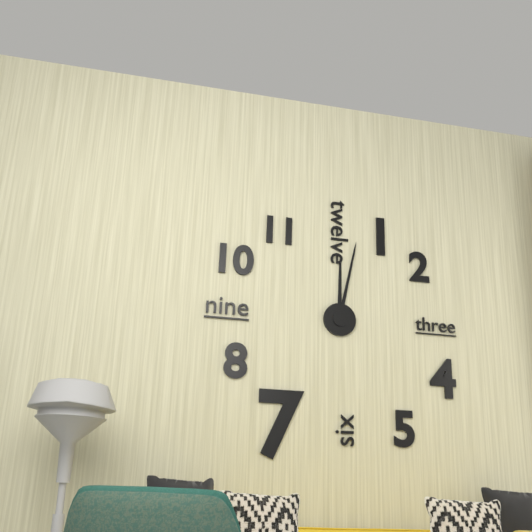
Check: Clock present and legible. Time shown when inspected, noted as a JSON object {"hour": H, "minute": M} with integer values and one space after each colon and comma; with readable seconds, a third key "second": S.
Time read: {"hour": 12, "minute": 2}
